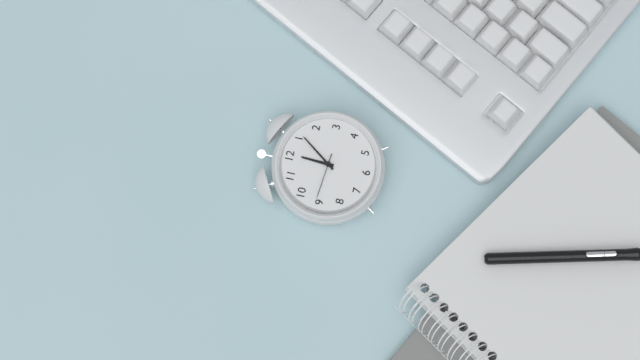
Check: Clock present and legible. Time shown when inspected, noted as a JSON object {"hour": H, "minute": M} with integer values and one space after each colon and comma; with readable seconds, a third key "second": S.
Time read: {"hour": 12, "minute": 6}
